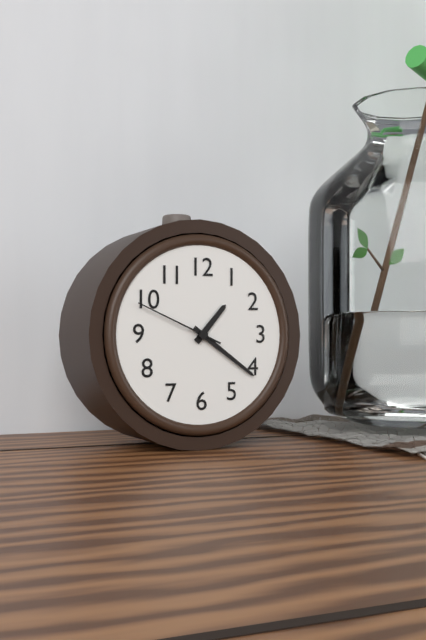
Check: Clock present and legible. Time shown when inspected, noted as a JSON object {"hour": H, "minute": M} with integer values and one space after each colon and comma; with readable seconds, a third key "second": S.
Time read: {"hour": 1, "minute": 21, "second": 49}
